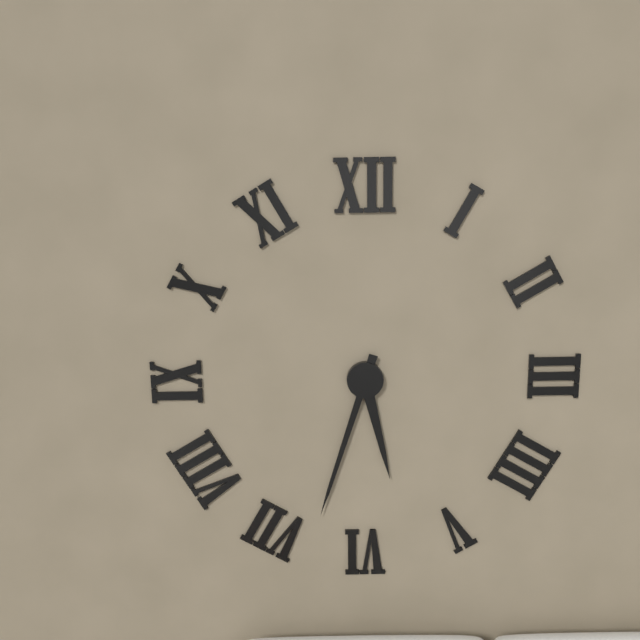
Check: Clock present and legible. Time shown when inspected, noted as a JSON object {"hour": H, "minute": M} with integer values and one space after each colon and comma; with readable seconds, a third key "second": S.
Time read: {"hour": 5, "minute": 33}
